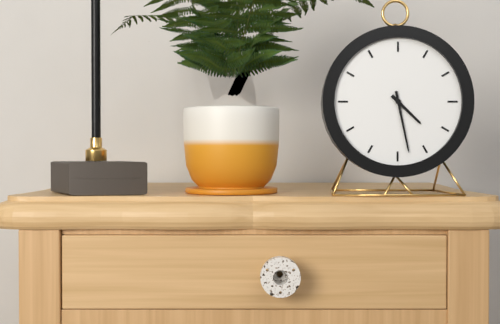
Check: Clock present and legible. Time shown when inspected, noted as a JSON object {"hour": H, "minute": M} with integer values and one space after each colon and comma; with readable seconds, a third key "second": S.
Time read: {"hour": 4, "minute": 28}
